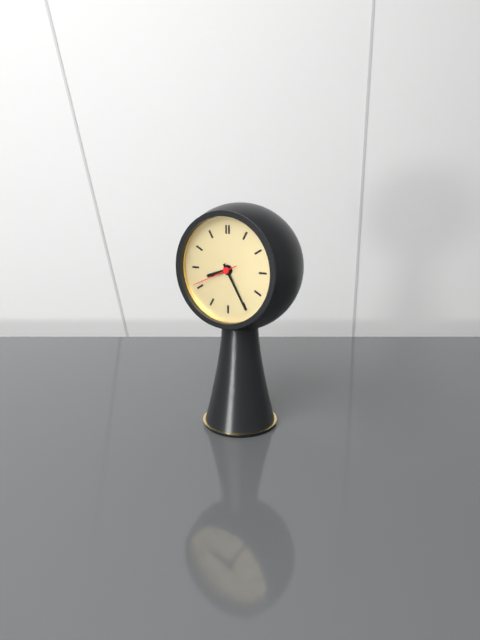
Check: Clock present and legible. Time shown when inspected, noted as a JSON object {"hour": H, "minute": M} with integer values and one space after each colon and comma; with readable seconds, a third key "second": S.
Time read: {"hour": 8, "minute": 25}
